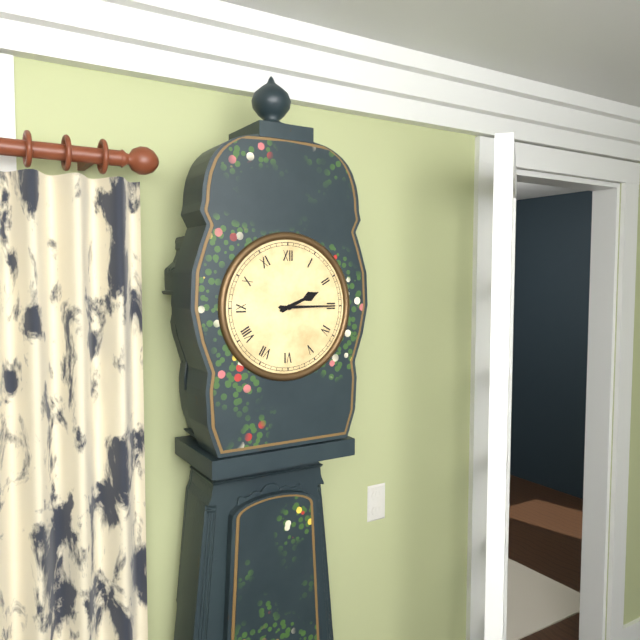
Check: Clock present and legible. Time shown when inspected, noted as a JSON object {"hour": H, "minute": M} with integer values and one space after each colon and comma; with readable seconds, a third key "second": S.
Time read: {"hour": 2, "minute": 15}
